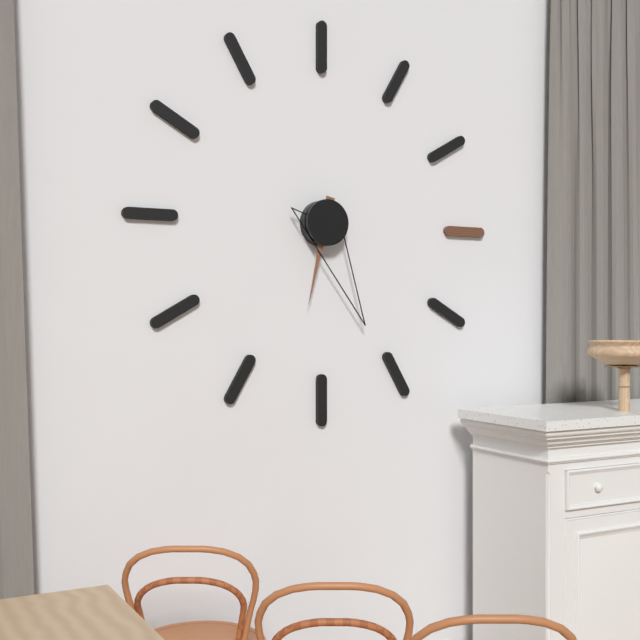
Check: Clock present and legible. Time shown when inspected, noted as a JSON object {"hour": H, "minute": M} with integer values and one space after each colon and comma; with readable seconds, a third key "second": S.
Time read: {"hour": 6, "minute": 26}
